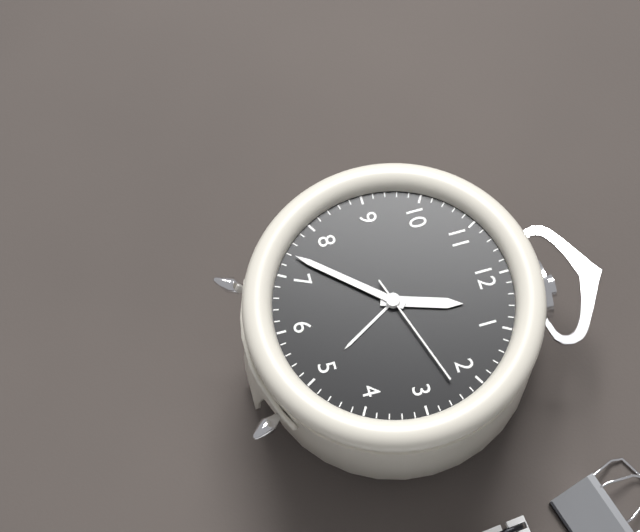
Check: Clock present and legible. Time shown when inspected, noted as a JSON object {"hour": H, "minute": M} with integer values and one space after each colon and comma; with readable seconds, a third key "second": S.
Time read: {"hour": 12, "minute": 37, "second": 12}
